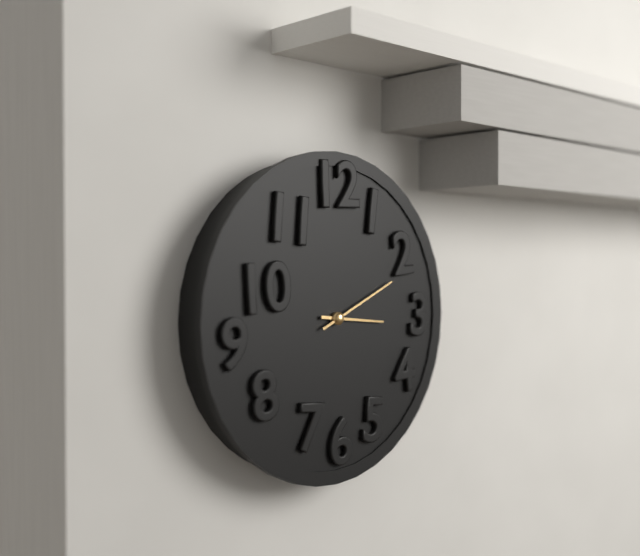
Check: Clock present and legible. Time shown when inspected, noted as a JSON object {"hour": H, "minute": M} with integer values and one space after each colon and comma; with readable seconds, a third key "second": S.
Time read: {"hour": 3, "minute": 11}
